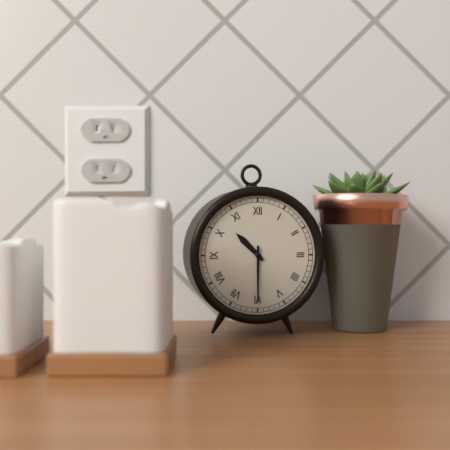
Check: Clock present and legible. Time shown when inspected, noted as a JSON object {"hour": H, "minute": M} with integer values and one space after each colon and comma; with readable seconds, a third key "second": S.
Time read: {"hour": 10, "minute": 30}
